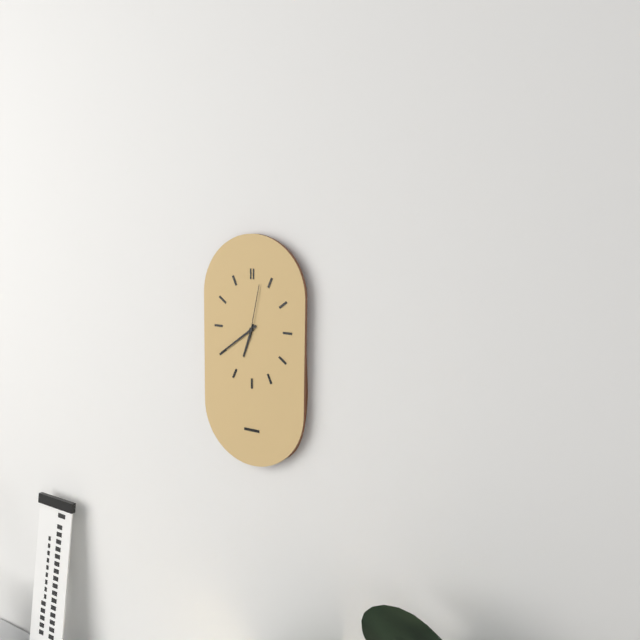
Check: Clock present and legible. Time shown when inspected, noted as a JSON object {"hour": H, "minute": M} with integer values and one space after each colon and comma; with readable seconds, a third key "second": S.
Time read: {"hour": 6, "minute": 39, "second": 2}
